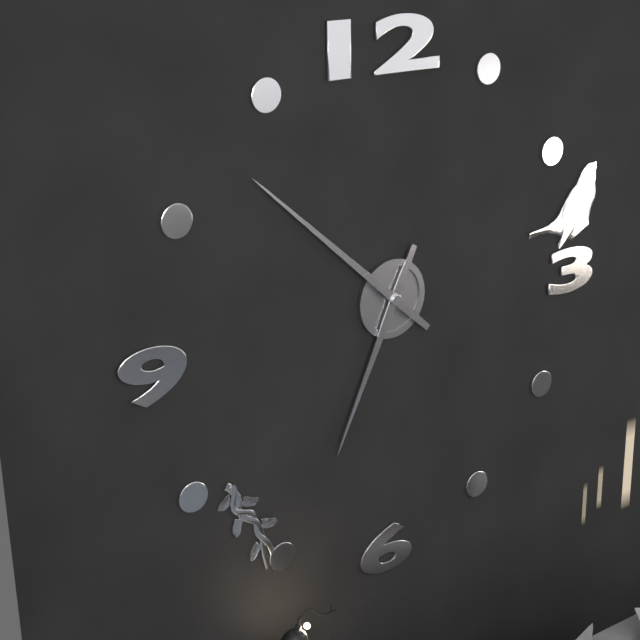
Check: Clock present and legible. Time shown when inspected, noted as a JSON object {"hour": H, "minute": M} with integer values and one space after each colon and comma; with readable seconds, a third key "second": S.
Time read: {"hour": 6, "minute": 52}
